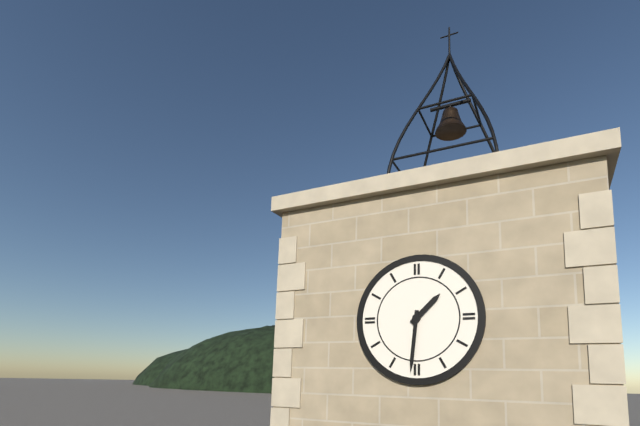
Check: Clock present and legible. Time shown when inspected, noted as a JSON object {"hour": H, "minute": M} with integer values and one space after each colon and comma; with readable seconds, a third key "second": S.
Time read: {"hour": 1, "minute": 31}
